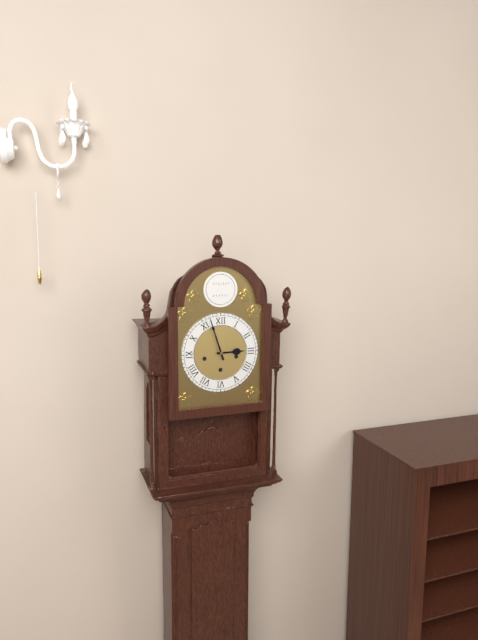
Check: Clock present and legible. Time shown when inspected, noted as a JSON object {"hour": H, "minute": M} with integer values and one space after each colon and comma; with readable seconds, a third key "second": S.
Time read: {"hour": 2, "minute": 57}
